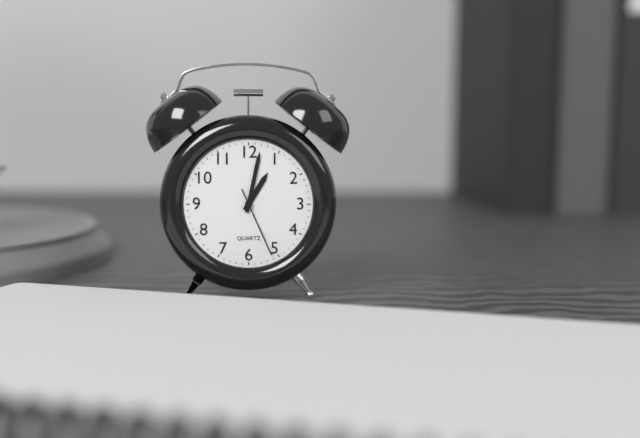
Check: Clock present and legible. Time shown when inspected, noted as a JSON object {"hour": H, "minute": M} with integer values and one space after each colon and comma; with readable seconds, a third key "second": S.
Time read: {"hour": 1, "minute": 2, "second": 26}
